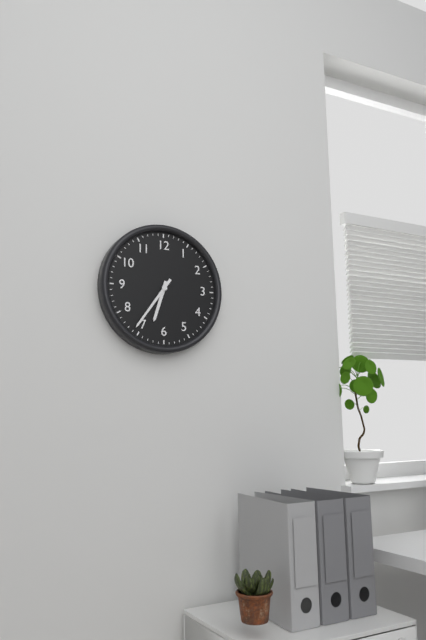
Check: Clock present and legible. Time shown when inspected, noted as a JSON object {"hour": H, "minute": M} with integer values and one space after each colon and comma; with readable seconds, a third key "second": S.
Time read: {"hour": 6, "minute": 36}
